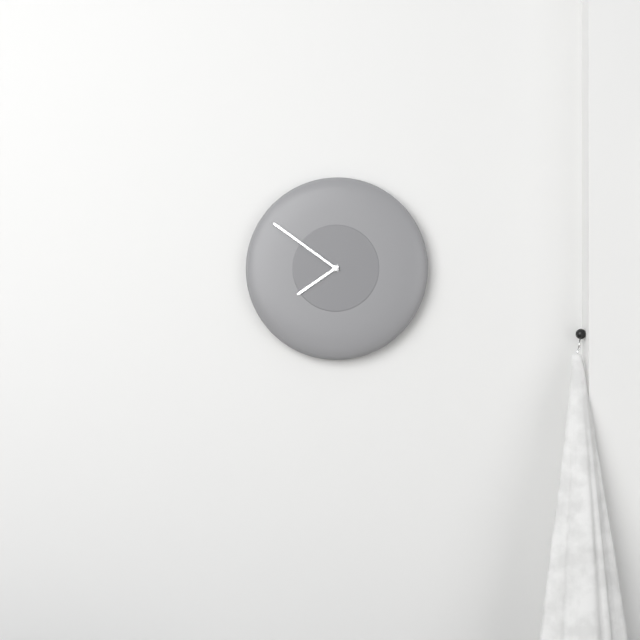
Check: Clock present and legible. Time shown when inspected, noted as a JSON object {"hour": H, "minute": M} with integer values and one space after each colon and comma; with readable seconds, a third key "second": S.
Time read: {"hour": 7, "minute": 51}
